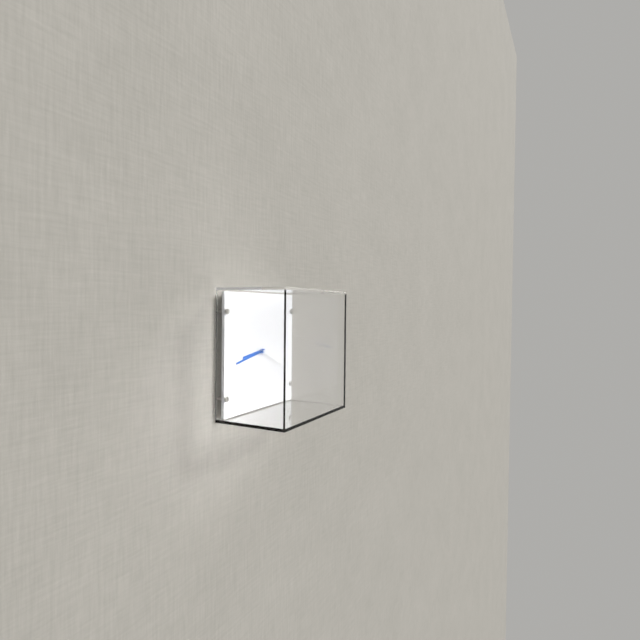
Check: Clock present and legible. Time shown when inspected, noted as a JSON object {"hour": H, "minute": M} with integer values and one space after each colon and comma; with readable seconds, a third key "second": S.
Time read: {"hour": 8, "minute": 43}
